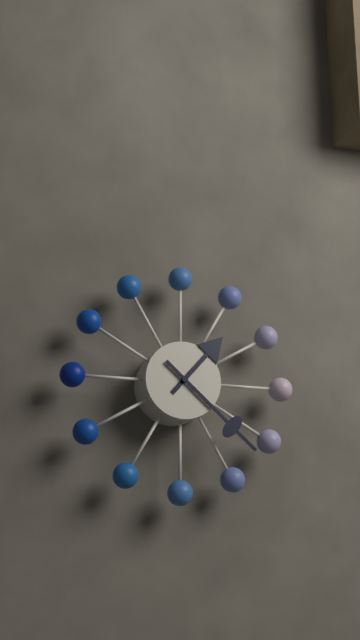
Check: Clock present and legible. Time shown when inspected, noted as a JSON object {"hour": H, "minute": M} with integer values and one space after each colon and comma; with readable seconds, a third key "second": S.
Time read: {"hour": 1, "minute": 22}
